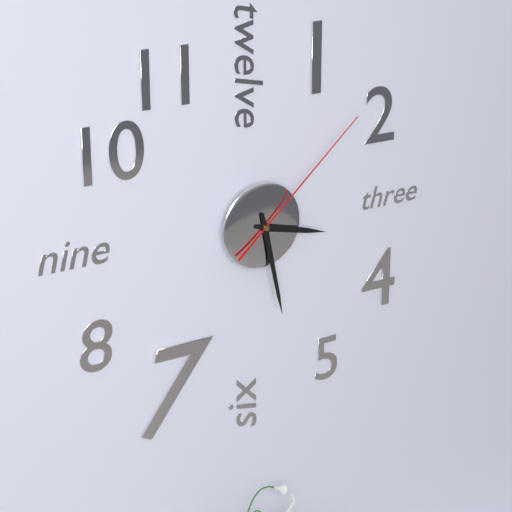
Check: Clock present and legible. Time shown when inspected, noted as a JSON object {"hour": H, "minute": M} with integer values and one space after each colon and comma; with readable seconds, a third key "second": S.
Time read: {"hour": 3, "minute": 28, "second": 8}
